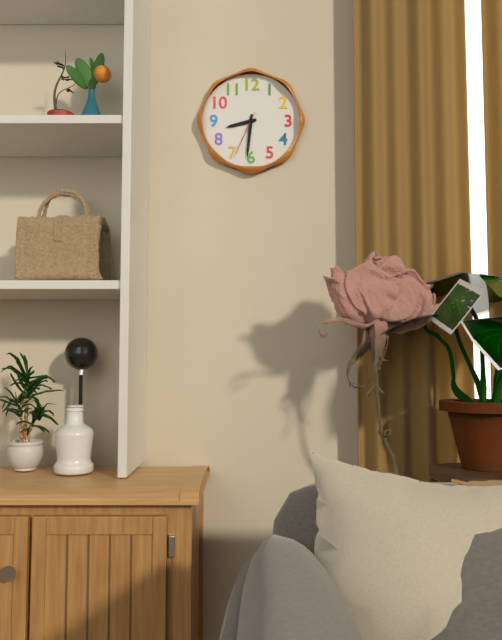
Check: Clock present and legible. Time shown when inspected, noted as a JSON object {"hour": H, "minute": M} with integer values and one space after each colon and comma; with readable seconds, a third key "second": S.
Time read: {"hour": 8, "minute": 31, "second": 34}
